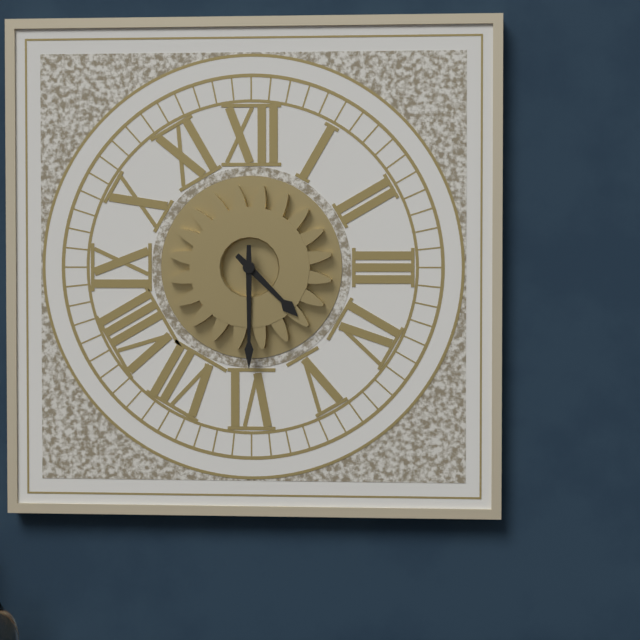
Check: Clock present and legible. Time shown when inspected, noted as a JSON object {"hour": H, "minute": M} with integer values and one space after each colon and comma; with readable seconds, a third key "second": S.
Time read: {"hour": 4, "minute": 30}
